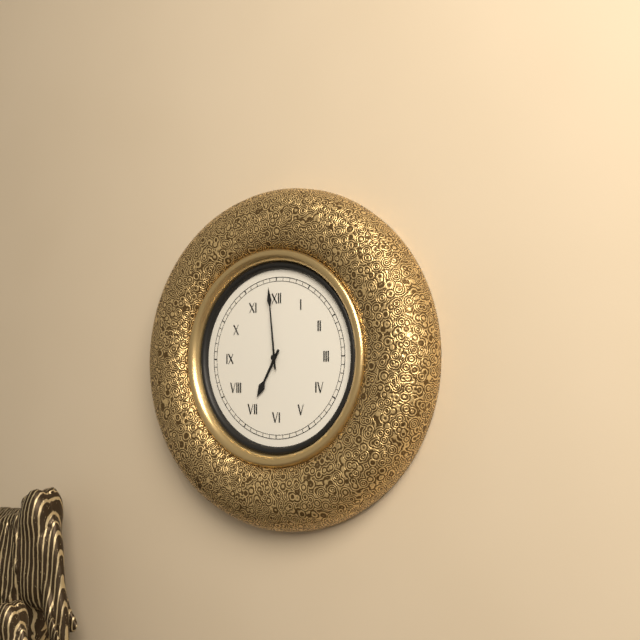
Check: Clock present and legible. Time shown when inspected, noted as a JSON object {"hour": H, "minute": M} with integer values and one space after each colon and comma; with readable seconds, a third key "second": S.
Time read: {"hour": 6, "minute": 59}
